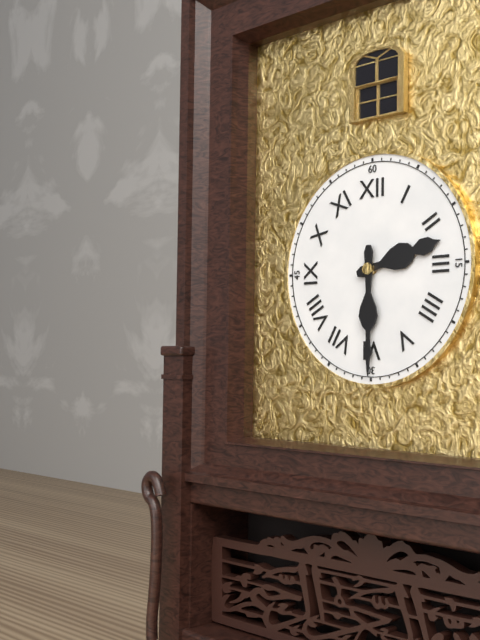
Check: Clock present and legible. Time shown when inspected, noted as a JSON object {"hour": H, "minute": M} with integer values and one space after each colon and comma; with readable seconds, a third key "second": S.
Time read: {"hour": 2, "minute": 30}
